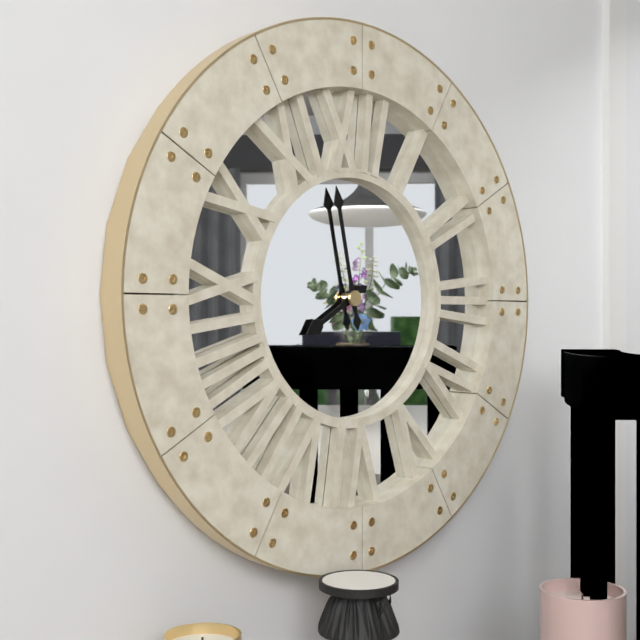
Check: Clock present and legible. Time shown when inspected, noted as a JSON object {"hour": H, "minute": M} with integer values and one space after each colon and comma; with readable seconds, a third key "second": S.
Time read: {"hour": 7, "minute": 58}
